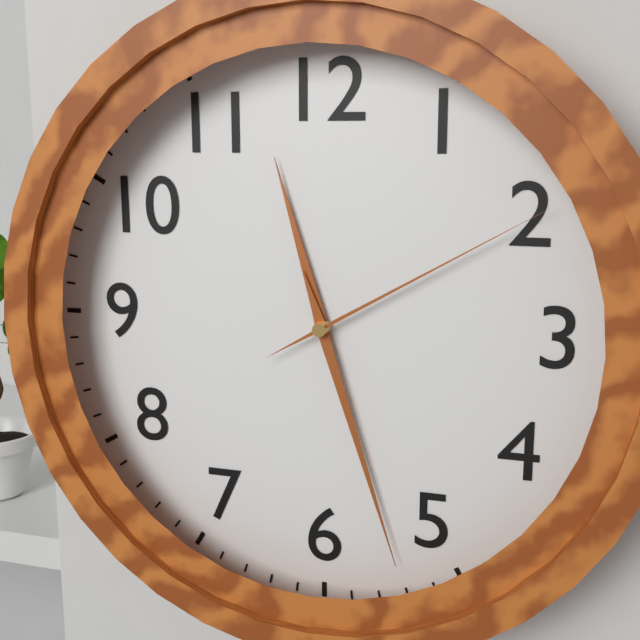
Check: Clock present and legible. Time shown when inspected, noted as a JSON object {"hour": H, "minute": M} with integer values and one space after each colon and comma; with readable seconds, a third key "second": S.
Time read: {"hour": 11, "minute": 27, "second": 10}
